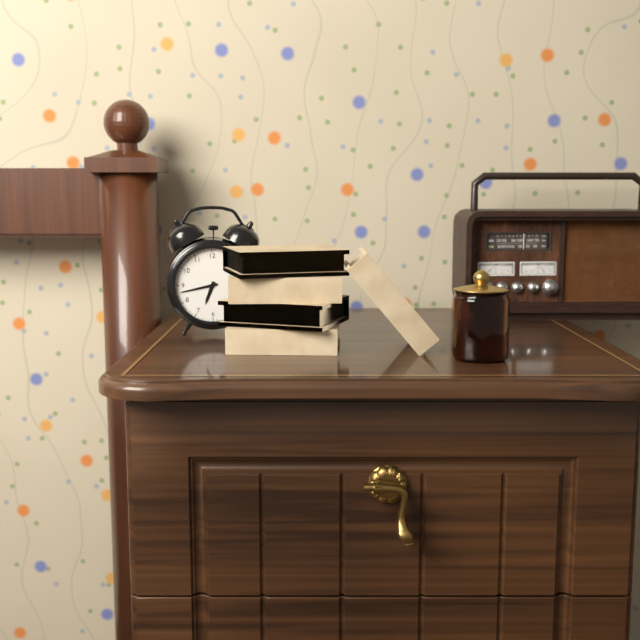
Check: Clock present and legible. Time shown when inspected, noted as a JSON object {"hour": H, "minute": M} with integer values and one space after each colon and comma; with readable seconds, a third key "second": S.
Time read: {"hour": 6, "minute": 43}
